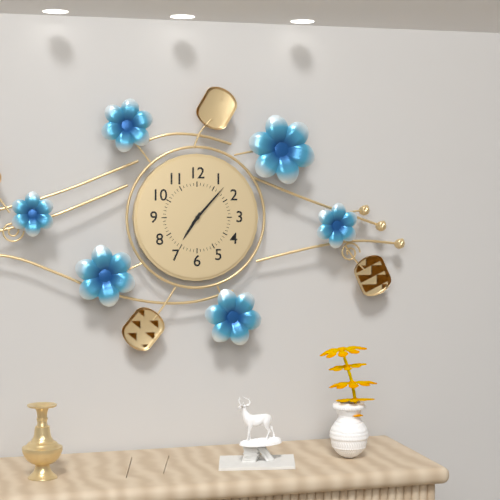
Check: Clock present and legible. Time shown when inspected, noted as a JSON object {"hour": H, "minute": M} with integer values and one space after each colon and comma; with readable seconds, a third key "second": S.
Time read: {"hour": 7, "minute": 7}
